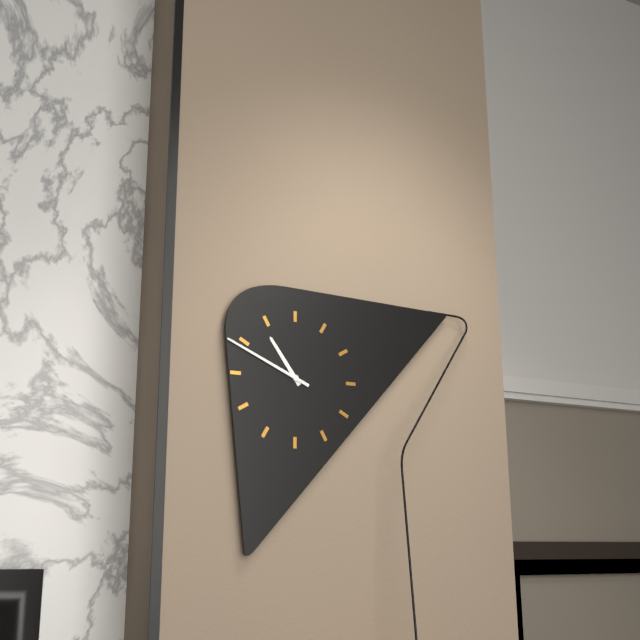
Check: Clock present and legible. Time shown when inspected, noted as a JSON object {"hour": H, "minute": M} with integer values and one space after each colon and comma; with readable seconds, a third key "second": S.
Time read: {"hour": 10, "minute": 49}
